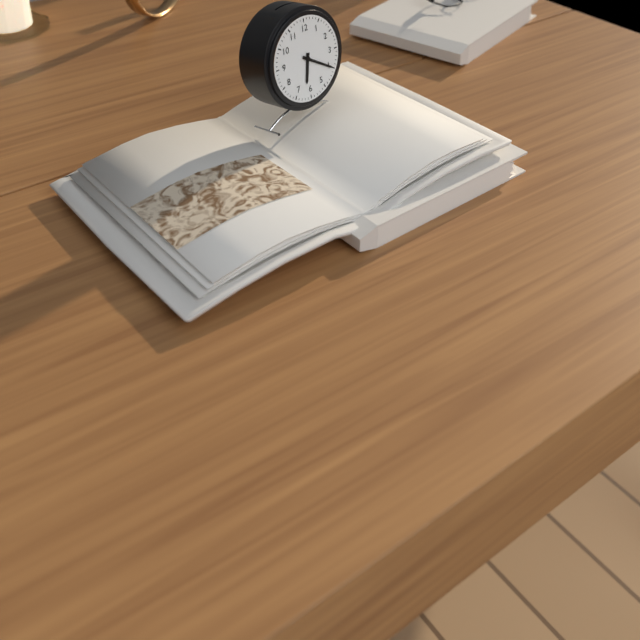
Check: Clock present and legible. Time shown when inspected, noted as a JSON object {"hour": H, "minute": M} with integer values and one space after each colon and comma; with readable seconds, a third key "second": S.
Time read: {"hour": 6, "minute": 20}
